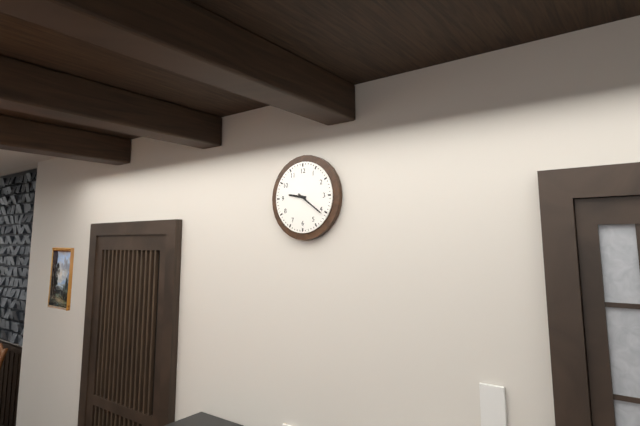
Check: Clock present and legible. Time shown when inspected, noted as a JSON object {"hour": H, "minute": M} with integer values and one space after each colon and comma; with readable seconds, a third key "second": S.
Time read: {"hour": 9, "minute": 21}
